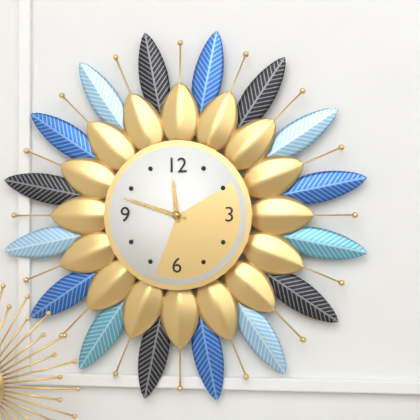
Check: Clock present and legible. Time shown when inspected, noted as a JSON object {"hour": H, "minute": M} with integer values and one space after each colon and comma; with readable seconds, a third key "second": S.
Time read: {"hour": 11, "minute": 48}
